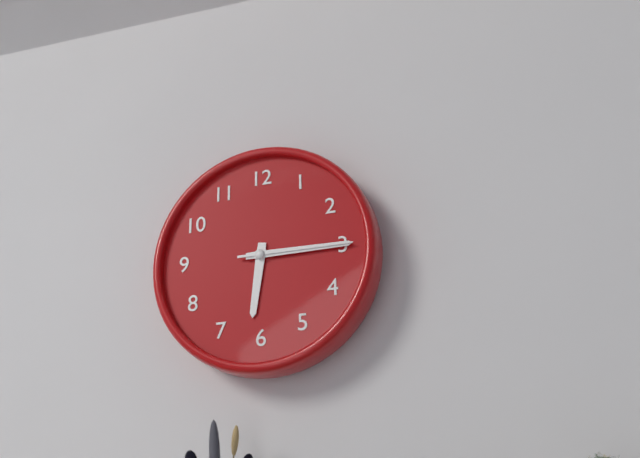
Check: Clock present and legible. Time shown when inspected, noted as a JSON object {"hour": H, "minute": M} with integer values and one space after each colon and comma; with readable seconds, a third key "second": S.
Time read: {"hour": 6, "minute": 15, "second": 15}
